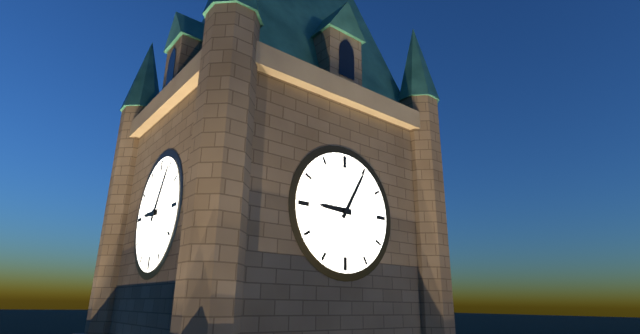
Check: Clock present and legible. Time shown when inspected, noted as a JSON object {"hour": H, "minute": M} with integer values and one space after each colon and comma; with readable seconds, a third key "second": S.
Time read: {"hour": 9, "minute": 5}
